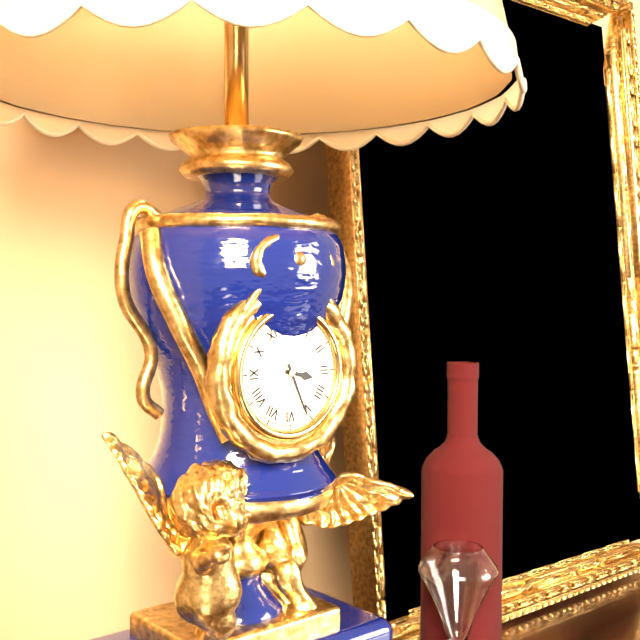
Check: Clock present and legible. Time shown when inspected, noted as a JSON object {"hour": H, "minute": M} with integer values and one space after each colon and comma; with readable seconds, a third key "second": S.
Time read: {"hour": 3, "minute": 26}
